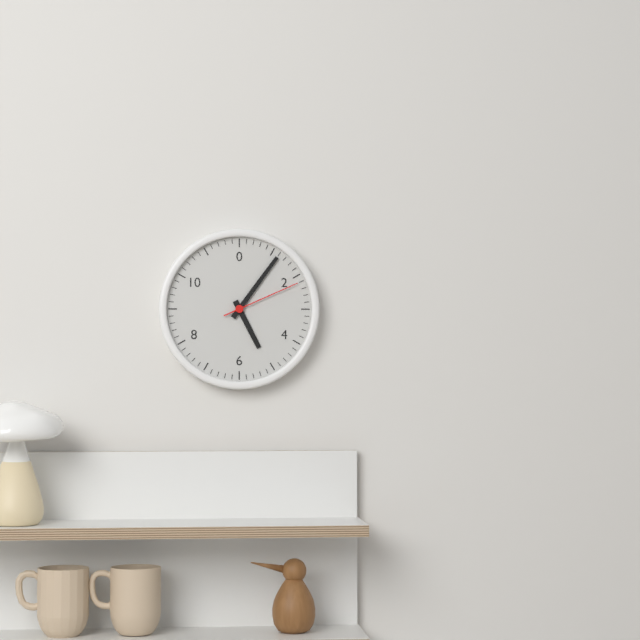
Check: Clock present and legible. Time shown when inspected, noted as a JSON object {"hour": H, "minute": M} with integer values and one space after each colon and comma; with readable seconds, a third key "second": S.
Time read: {"hour": 5, "minute": 6, "second": 11}
